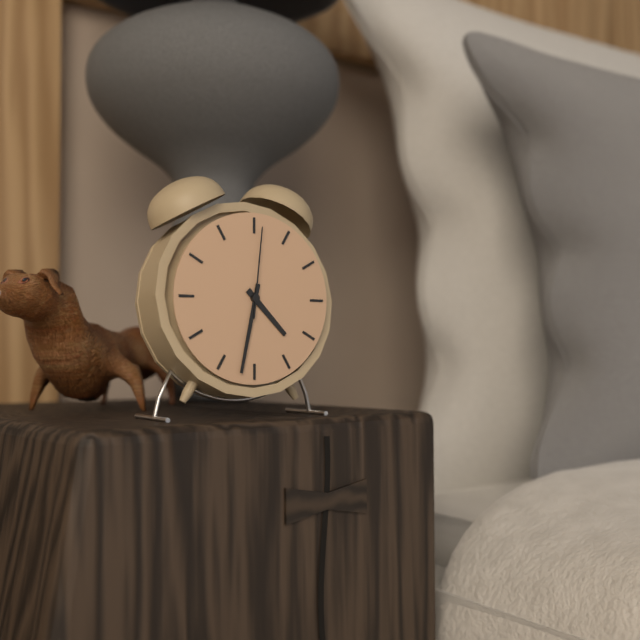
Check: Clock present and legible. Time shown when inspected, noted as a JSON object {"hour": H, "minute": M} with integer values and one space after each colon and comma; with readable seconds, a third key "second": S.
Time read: {"hour": 4, "minute": 32, "second": 1}
